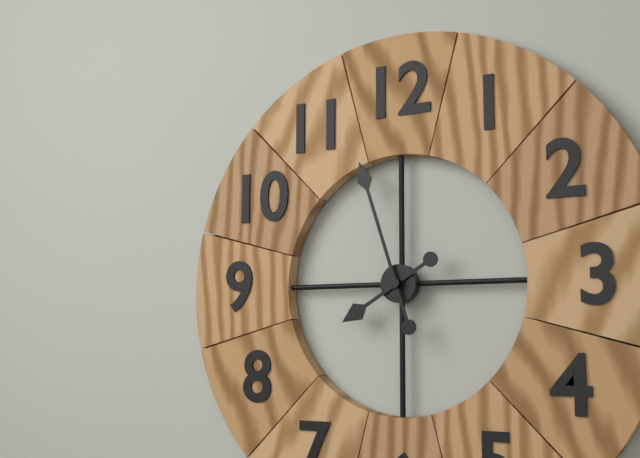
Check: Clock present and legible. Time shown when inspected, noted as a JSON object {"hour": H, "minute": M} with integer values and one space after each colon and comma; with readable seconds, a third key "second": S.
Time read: {"hour": 7, "minute": 57}
